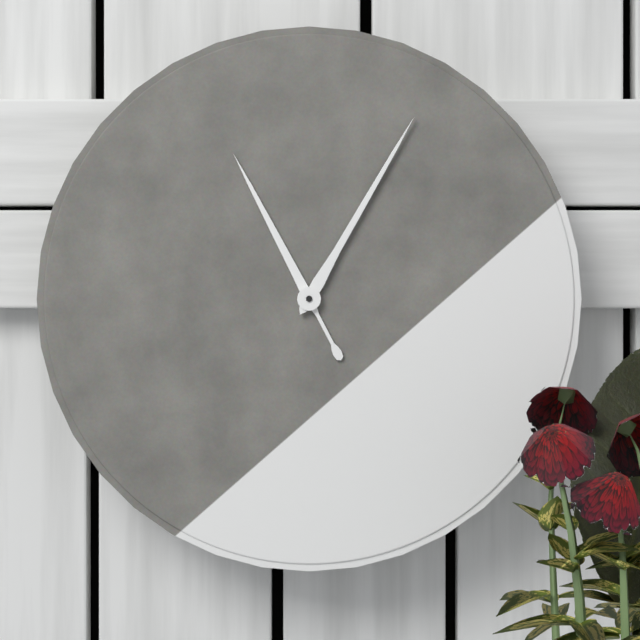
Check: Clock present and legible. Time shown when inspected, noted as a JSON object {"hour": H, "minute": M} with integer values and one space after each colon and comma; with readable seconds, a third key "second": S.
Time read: {"hour": 11, "minute": 5}
